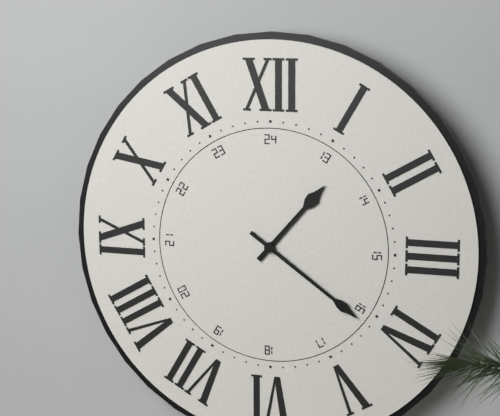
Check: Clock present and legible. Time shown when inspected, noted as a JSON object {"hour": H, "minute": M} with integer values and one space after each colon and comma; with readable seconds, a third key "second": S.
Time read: {"hour": 1, "minute": 21}
